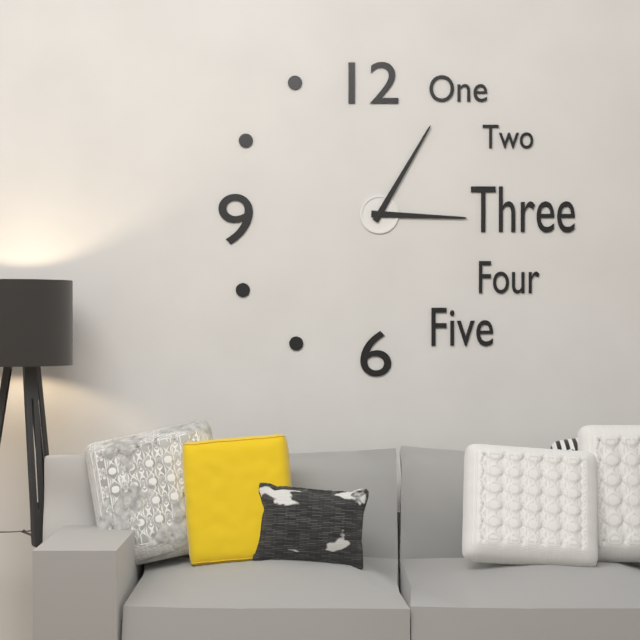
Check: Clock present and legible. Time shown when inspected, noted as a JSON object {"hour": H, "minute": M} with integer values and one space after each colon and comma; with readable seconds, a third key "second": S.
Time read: {"hour": 3, "minute": 5}
